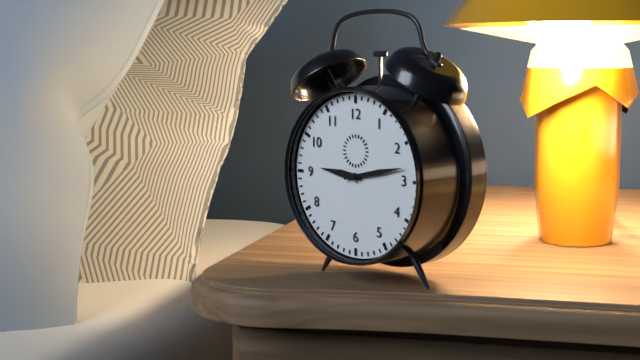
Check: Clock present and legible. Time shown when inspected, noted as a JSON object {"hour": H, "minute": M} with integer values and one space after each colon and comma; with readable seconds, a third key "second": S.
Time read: {"hour": 9, "minute": 13}
